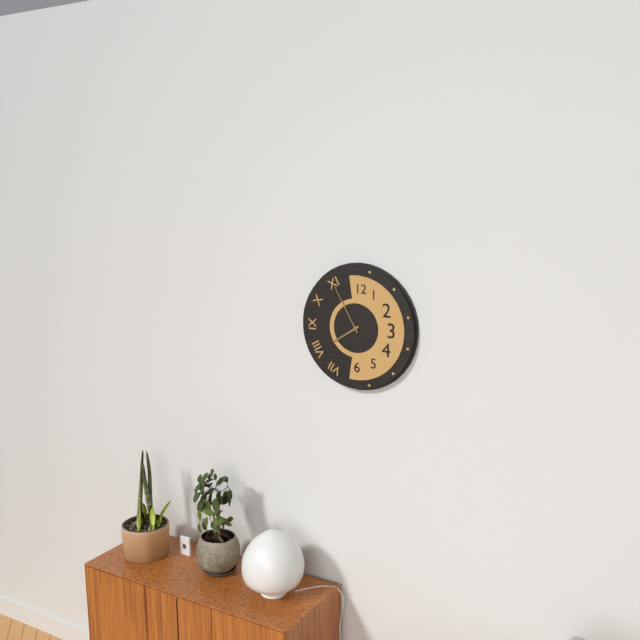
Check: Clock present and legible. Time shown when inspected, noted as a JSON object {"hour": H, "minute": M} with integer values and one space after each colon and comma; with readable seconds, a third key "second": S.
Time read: {"hour": 7, "minute": 55}
